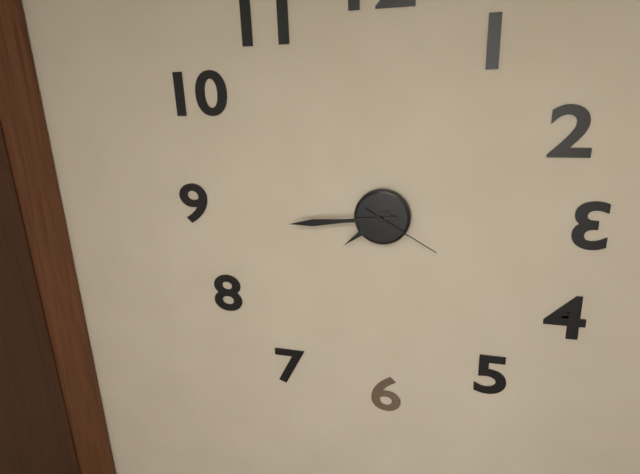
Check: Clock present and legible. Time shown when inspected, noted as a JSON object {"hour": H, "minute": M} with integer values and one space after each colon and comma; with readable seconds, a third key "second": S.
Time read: {"hour": 7, "minute": 44, "second": 20}
